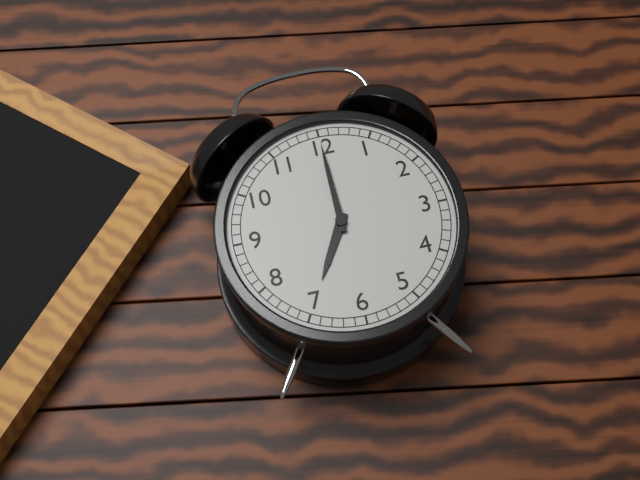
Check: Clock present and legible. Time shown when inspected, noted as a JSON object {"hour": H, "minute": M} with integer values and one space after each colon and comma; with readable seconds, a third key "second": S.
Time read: {"hour": 7, "minute": 0}
